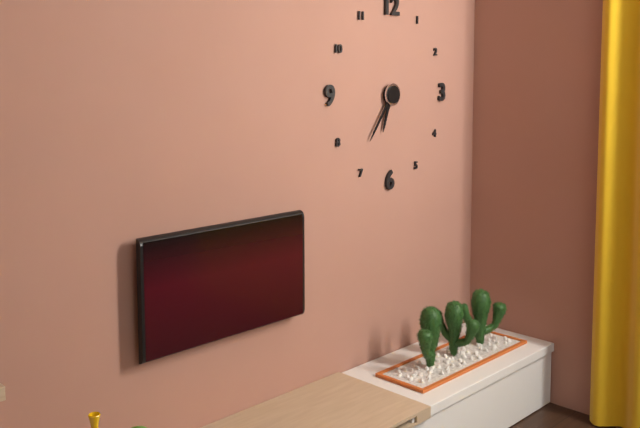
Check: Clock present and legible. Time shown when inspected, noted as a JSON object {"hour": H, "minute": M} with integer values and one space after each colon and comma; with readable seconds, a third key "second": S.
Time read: {"hour": 6, "minute": 36}
